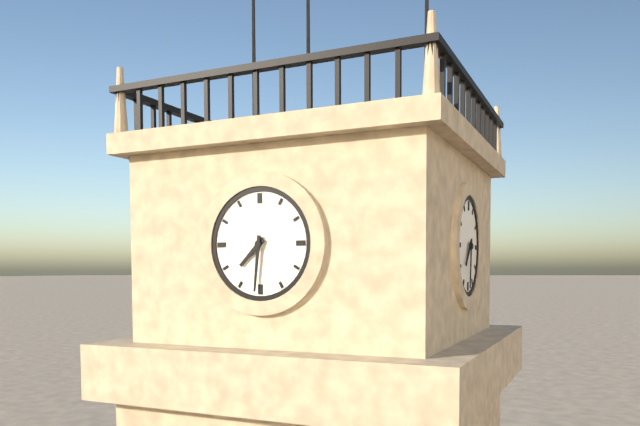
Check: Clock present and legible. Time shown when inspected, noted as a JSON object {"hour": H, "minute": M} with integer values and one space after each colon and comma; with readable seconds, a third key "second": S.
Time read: {"hour": 7, "minute": 31}
